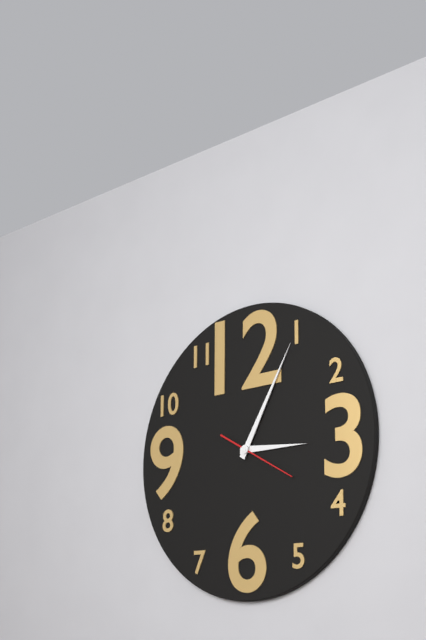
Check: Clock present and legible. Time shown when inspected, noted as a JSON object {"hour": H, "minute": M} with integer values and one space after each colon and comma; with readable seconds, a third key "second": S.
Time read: {"hour": 3, "minute": 5, "second": 20}
